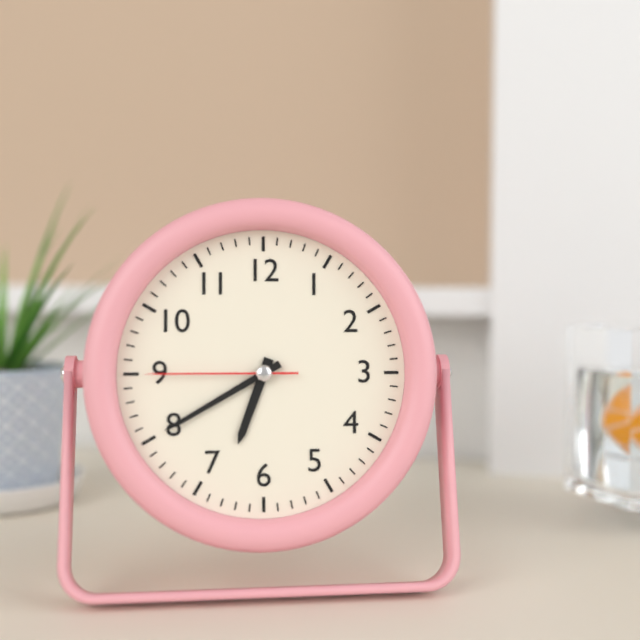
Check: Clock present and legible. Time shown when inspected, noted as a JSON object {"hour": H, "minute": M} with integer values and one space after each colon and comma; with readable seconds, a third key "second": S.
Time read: {"hour": 6, "minute": 40, "second": 45}
